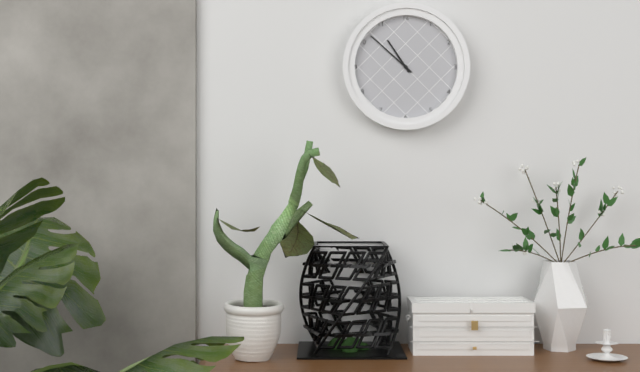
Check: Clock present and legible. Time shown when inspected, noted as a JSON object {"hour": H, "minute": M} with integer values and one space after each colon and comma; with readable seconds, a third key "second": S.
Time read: {"hour": 10, "minute": 52}
